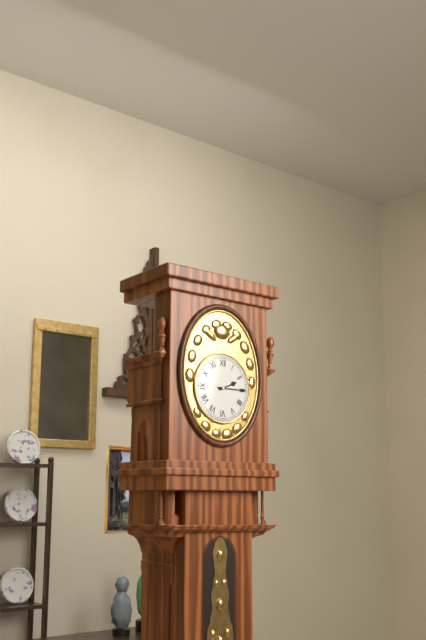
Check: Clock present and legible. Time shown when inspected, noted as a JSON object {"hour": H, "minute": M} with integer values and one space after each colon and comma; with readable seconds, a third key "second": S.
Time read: {"hour": 2, "minute": 15}
